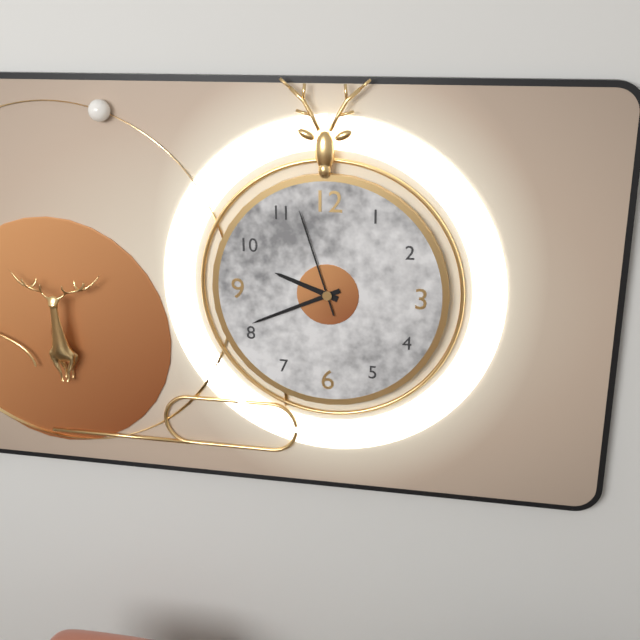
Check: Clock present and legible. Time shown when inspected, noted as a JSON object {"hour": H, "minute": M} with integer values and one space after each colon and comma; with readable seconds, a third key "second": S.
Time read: {"hour": 9, "minute": 41, "second": 57}
